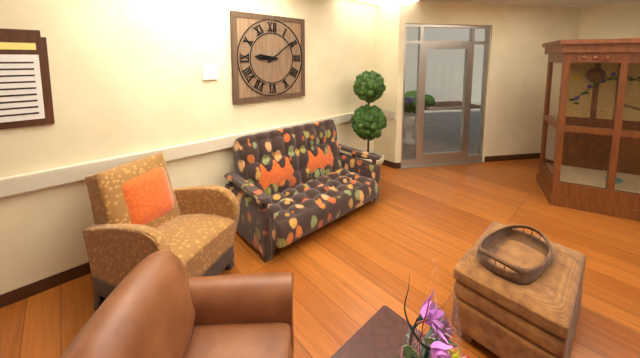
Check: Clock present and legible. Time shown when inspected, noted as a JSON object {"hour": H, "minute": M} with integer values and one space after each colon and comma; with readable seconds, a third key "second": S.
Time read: {"hour": 9, "minute": 9}
